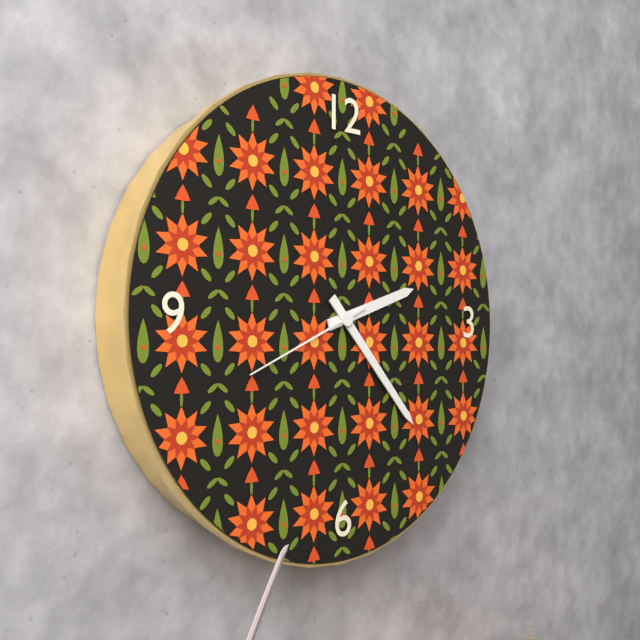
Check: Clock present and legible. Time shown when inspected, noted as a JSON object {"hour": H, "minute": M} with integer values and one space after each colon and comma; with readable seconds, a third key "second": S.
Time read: {"hour": 2, "minute": 23, "second": 41}
